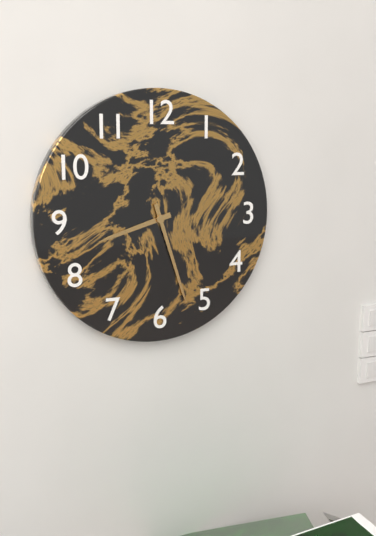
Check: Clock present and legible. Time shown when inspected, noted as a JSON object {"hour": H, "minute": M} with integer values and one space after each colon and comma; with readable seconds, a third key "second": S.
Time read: {"hour": 8, "minute": 27}
